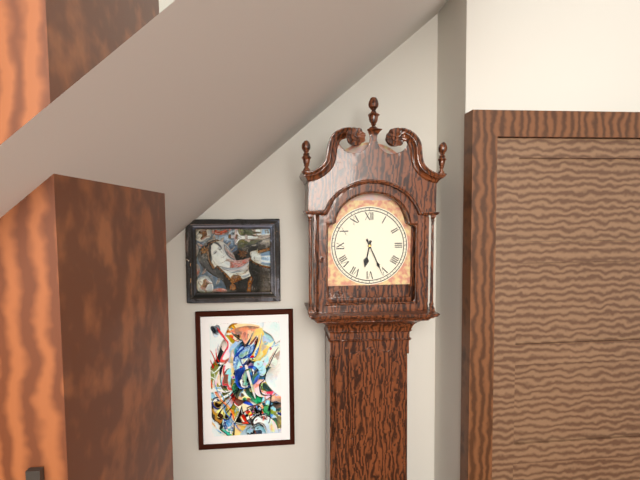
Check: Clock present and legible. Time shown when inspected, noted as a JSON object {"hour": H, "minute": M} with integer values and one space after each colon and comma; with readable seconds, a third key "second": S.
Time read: {"hour": 6, "minute": 26}
